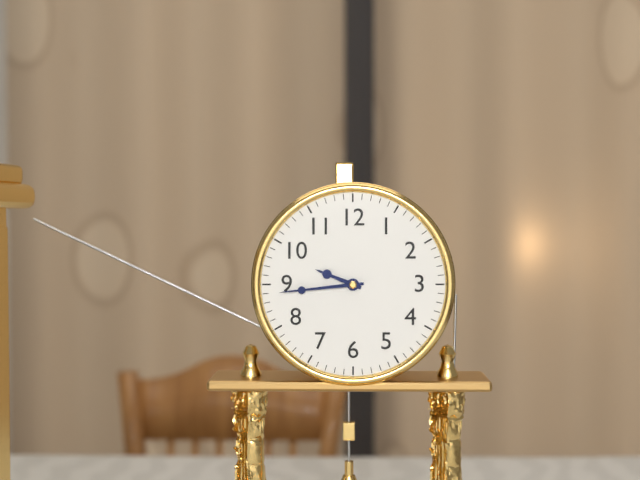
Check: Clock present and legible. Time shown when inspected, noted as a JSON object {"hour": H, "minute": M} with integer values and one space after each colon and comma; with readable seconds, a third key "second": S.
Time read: {"hour": 9, "minute": 44}
